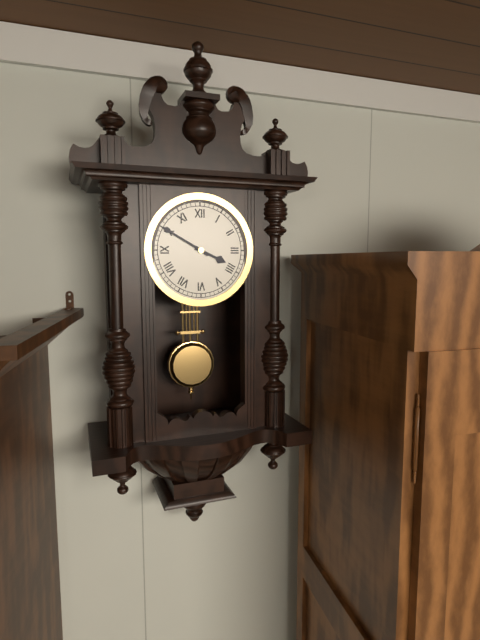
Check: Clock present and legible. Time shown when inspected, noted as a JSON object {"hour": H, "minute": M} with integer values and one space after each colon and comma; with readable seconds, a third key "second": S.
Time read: {"hour": 3, "minute": 50}
